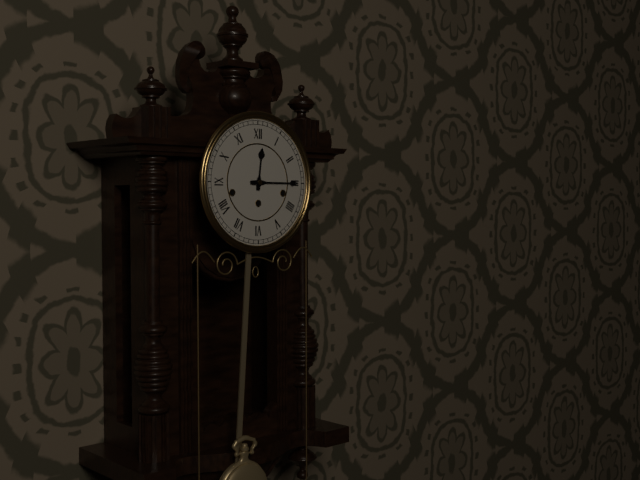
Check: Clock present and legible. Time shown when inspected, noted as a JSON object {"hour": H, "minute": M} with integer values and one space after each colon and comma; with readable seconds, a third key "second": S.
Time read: {"hour": 12, "minute": 15}
